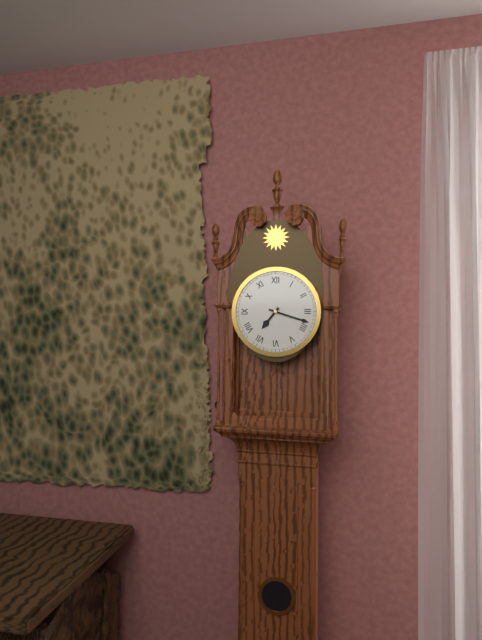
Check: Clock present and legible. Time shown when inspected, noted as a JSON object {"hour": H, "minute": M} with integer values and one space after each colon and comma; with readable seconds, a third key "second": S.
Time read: {"hour": 7, "minute": 18}
